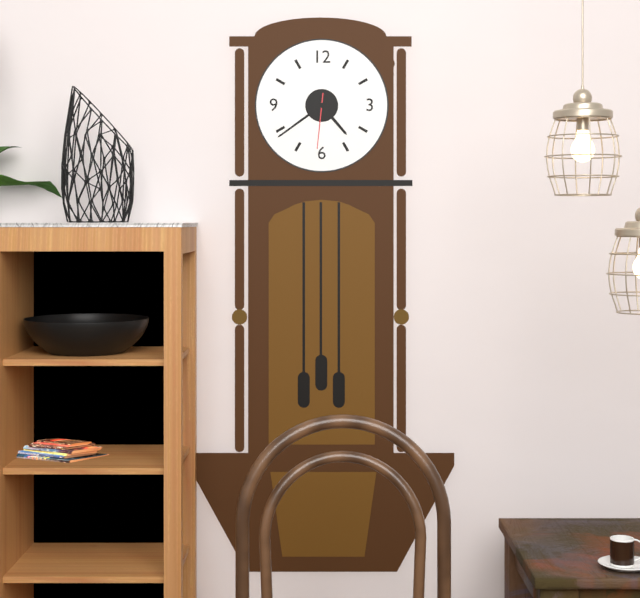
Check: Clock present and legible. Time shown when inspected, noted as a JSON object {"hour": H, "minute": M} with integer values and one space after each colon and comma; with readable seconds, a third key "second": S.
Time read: {"hour": 4, "minute": 39, "second": 31}
